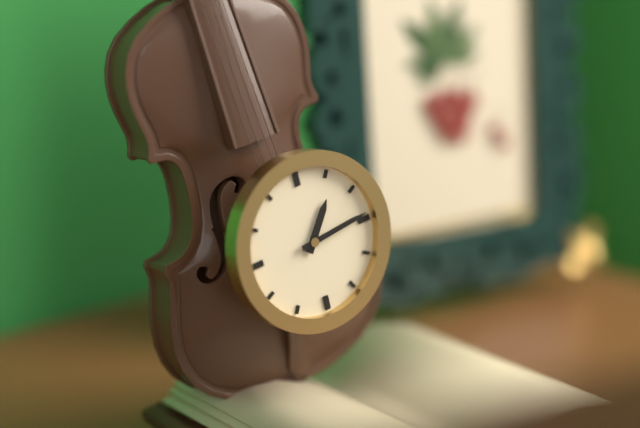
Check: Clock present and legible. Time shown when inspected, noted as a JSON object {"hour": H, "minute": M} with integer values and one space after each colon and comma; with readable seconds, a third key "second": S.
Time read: {"hour": 1, "minute": 14}
